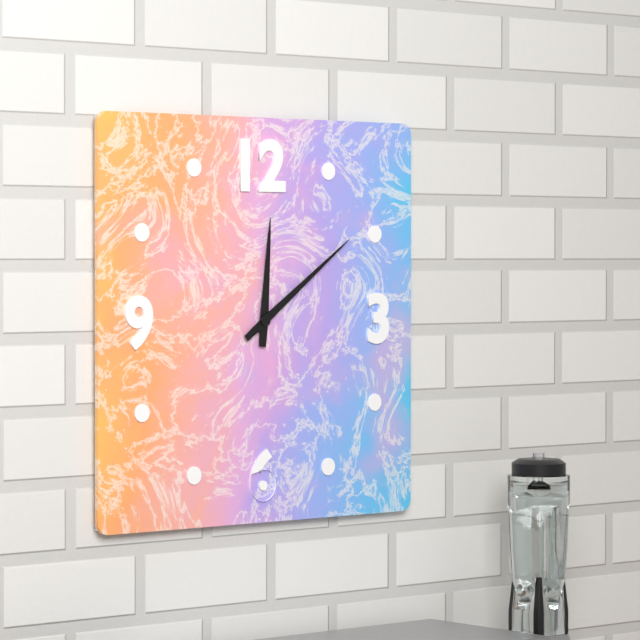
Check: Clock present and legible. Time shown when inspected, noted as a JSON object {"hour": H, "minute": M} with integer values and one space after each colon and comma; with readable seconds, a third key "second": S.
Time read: {"hour": 12, "minute": 9}
